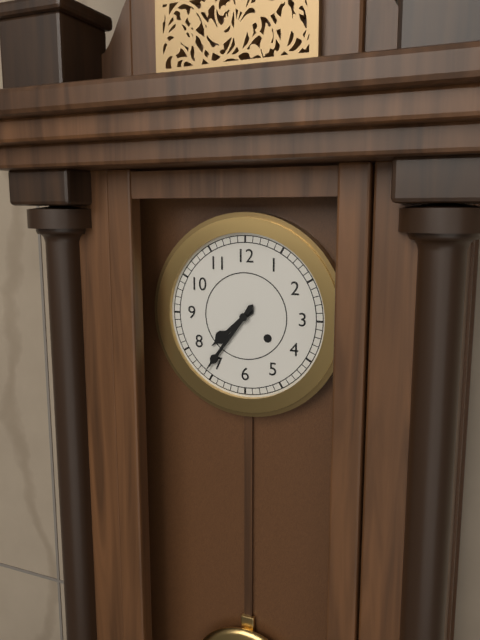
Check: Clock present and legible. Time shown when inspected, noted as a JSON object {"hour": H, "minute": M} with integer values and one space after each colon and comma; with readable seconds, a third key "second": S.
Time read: {"hour": 7, "minute": 36}
